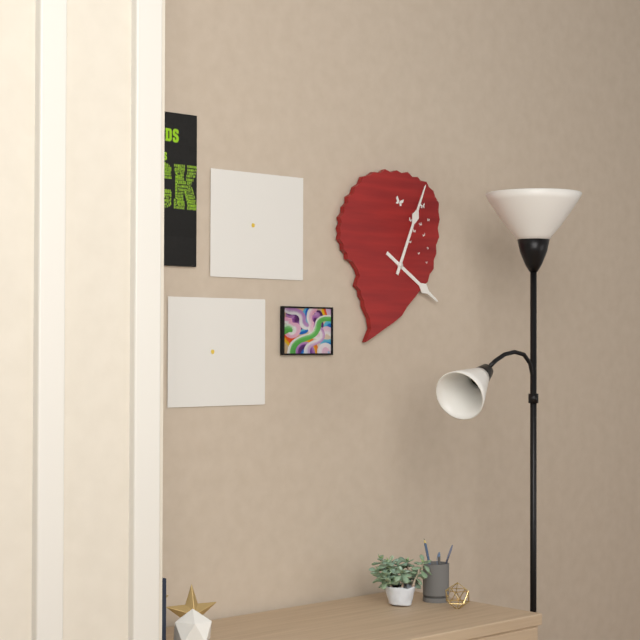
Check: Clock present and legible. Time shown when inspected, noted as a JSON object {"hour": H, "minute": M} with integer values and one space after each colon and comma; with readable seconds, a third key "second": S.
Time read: {"hour": 4, "minute": 4}
